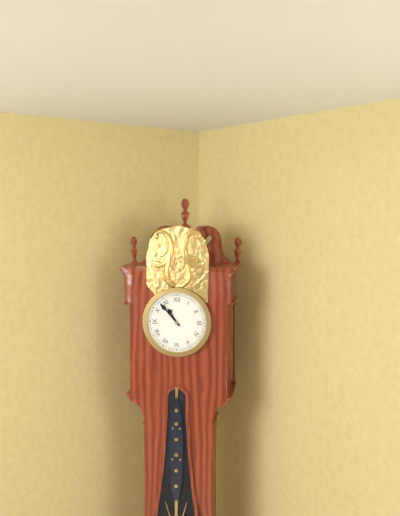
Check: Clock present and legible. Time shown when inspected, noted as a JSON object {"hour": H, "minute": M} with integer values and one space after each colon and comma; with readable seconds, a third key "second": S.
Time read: {"hour": 10, "minute": 53}
